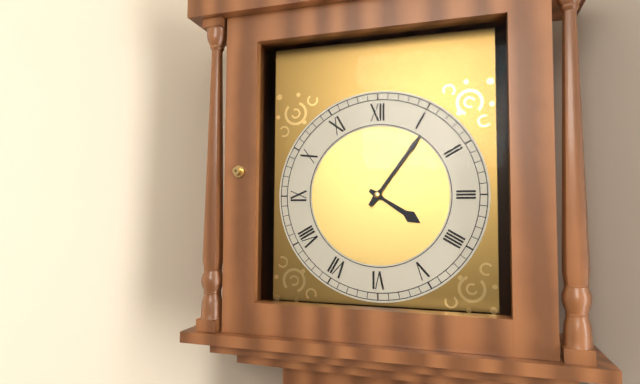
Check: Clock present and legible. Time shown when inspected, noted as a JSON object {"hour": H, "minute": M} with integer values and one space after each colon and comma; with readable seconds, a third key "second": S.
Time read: {"hour": 4, "minute": 6}
